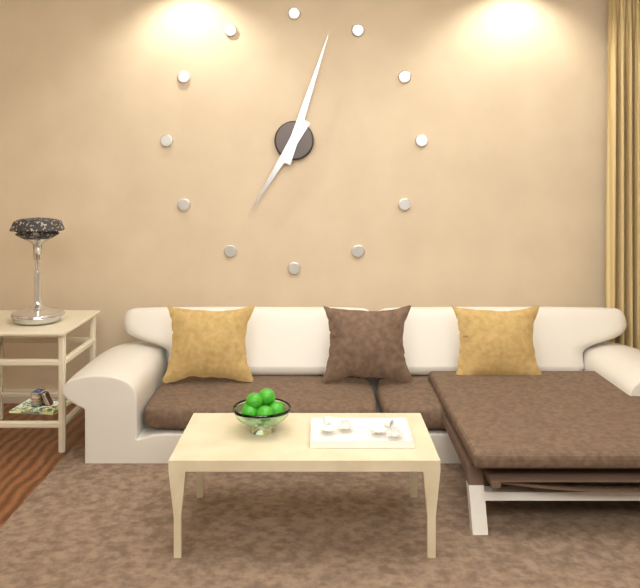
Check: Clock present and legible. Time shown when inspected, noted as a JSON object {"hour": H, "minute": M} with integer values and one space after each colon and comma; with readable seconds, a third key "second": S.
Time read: {"hour": 7, "minute": 3}
